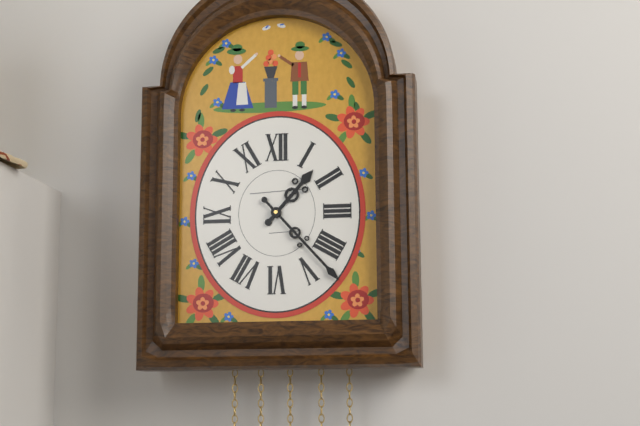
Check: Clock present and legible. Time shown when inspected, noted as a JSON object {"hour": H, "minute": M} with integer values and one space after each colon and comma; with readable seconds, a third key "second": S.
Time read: {"hour": 1, "minute": 23}
